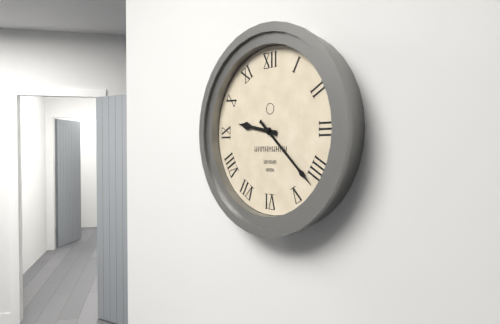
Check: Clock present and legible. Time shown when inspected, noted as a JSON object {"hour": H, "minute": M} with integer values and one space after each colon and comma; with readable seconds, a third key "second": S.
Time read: {"hour": 9, "minute": 22}
